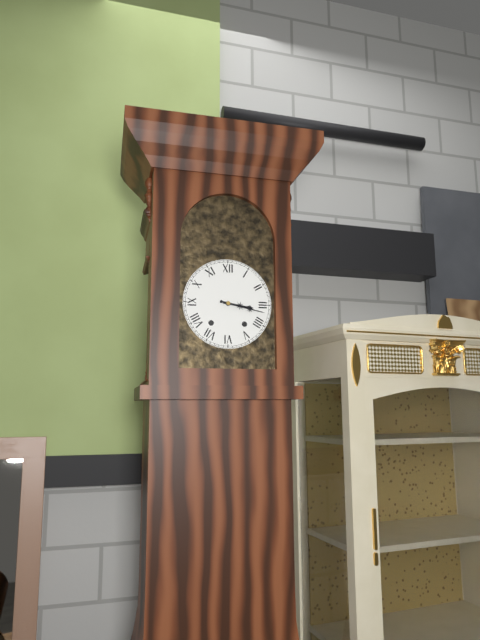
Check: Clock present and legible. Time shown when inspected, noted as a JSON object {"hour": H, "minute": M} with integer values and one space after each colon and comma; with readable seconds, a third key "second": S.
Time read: {"hour": 3, "minute": 17}
